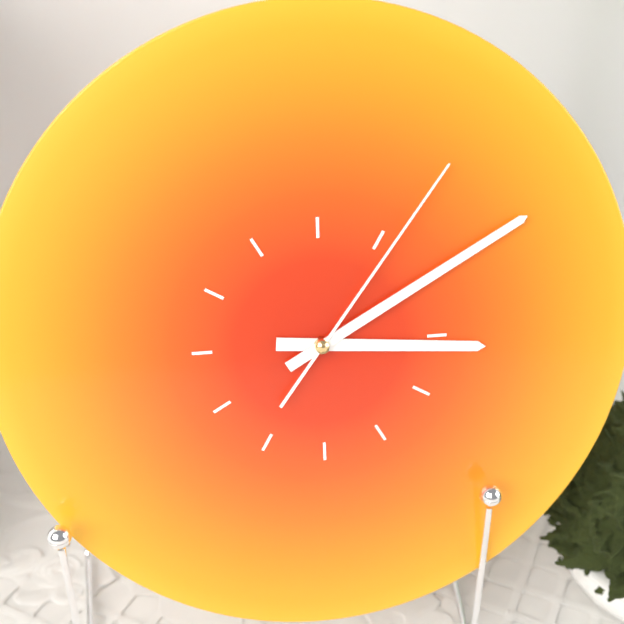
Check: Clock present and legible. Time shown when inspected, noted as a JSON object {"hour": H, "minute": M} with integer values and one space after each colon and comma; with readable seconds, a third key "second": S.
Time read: {"hour": 3, "minute": 10, "second": 6}
